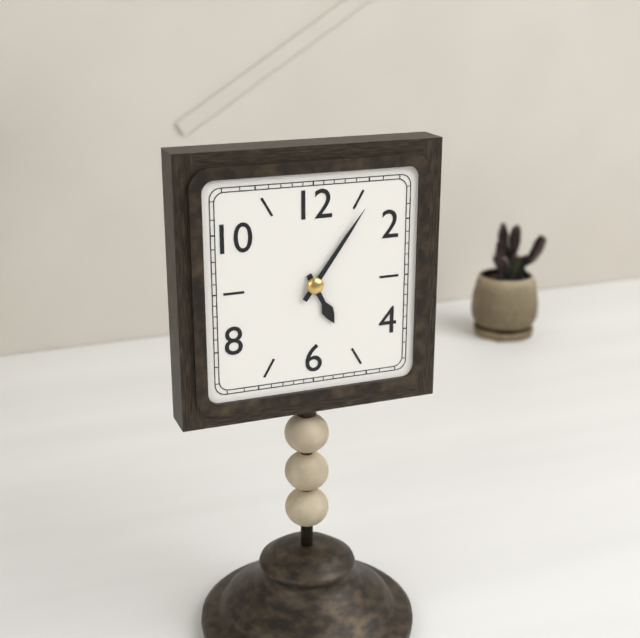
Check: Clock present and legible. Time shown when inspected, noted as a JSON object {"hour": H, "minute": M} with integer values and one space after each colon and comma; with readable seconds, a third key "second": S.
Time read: {"hour": 5, "minute": 6}
